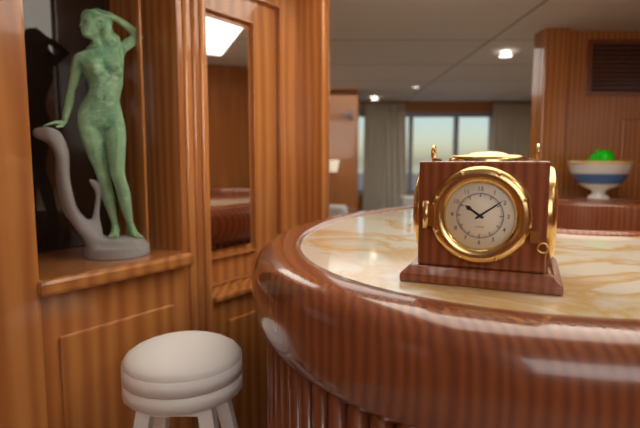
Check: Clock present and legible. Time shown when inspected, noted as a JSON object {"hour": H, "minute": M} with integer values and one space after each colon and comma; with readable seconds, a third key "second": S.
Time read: {"hour": 10, "minute": 9}
